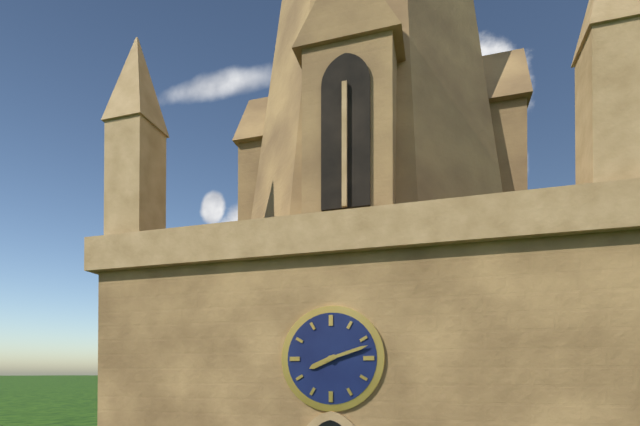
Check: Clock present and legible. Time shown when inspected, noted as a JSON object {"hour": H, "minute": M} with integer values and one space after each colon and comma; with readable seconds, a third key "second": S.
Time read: {"hour": 8, "minute": 12}
